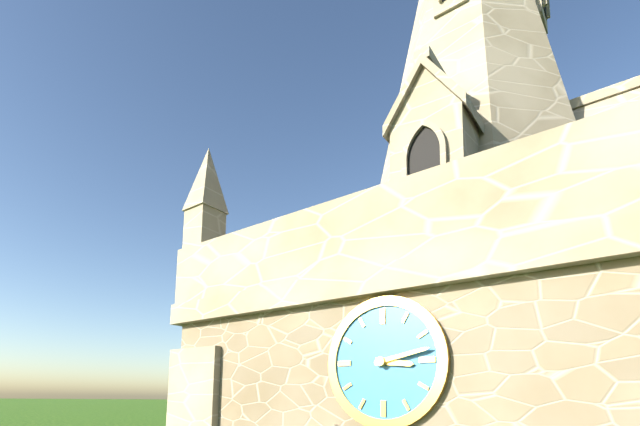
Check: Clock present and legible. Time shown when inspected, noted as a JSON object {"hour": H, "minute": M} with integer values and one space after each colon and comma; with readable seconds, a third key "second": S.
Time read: {"hour": 3, "minute": 13}
